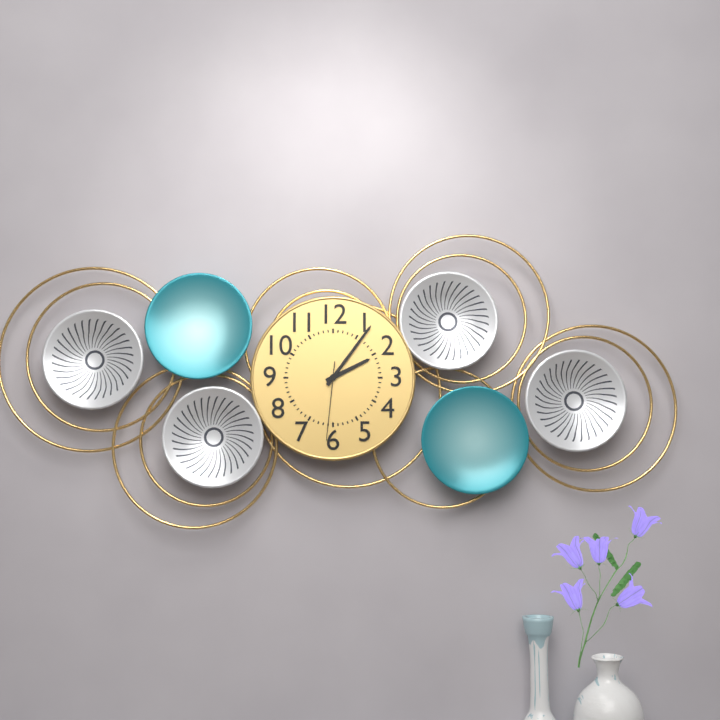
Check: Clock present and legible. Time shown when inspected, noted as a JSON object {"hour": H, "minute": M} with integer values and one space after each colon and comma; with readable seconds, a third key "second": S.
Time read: {"hour": 2, "minute": 6, "second": 31}
